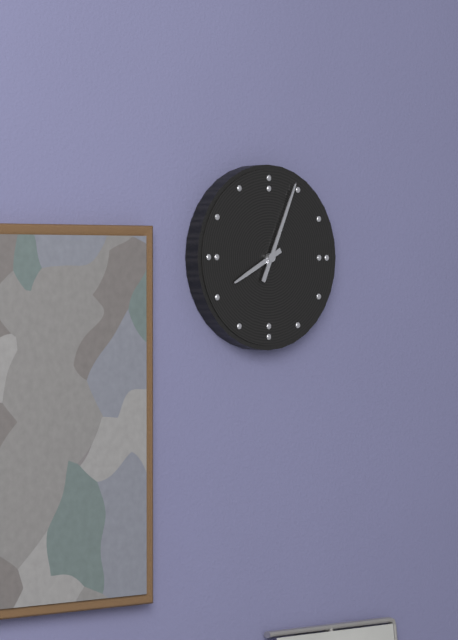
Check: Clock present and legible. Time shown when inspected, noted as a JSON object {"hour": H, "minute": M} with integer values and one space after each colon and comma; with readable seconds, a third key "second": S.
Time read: {"hour": 8, "minute": 4}
